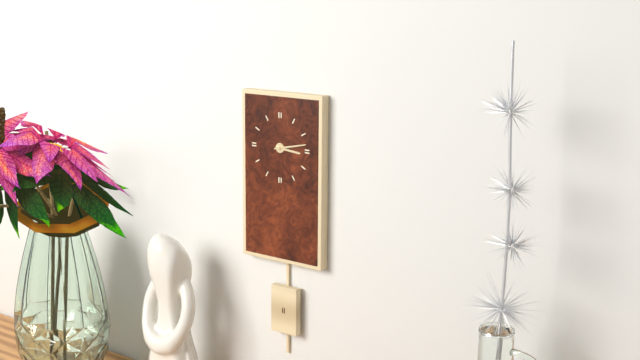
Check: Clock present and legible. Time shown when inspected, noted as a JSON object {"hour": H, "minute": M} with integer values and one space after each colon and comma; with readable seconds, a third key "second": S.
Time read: {"hour": 3, "minute": 13}
